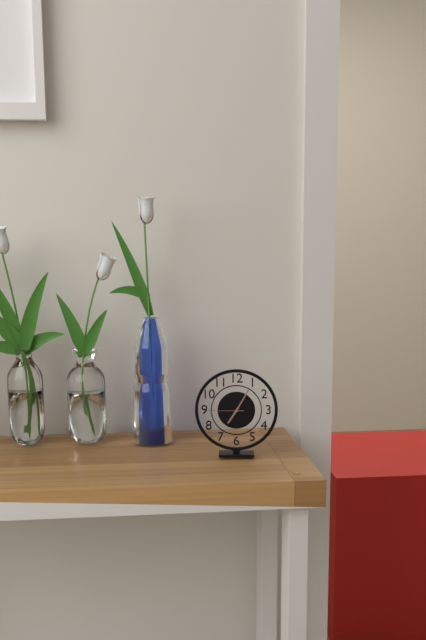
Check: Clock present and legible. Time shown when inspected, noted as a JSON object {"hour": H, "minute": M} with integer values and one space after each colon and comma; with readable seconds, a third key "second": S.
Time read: {"hour": 7, "minute": 5}
